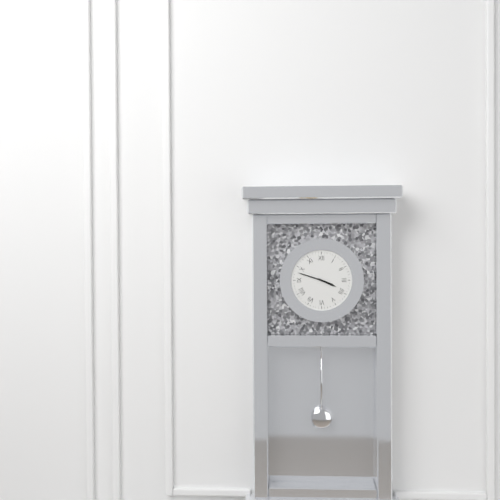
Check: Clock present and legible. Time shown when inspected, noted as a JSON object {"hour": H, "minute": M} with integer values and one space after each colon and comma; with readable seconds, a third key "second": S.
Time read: {"hour": 3, "minute": 48}
